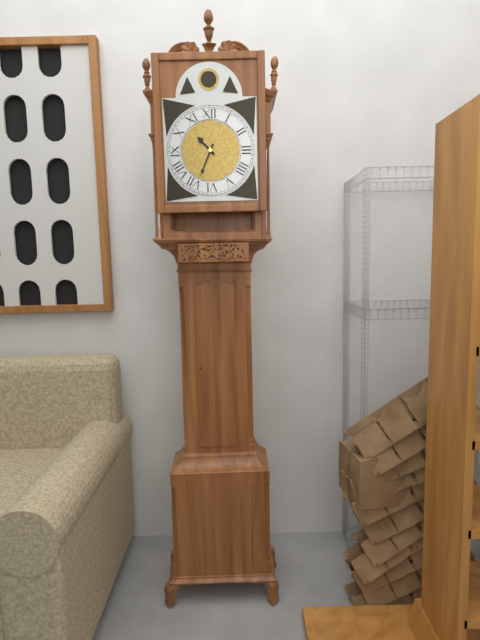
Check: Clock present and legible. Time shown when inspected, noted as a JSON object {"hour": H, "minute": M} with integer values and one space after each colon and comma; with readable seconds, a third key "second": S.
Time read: {"hour": 10, "minute": 34}
